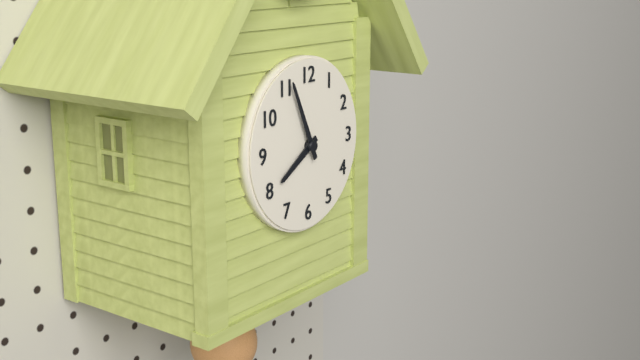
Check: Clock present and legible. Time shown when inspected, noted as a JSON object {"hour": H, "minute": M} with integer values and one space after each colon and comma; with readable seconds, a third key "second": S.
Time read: {"hour": 7, "minute": 56}
